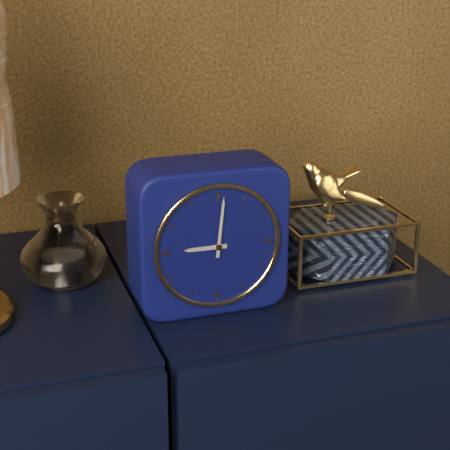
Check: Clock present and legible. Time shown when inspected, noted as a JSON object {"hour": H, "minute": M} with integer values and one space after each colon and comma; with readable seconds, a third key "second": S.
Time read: {"hour": 9, "minute": 1}
